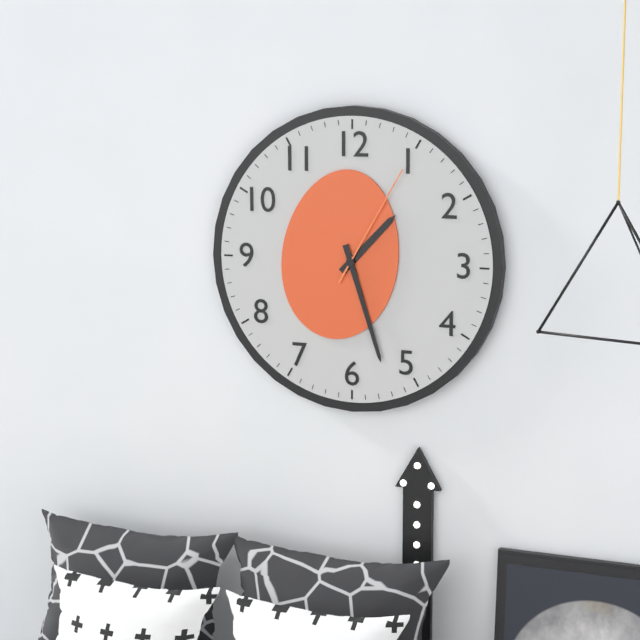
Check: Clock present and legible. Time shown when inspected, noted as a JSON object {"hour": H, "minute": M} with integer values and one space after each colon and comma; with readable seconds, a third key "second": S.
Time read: {"hour": 1, "minute": 27, "second": 5}
